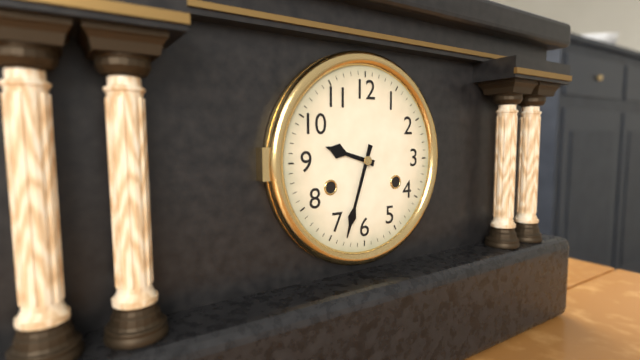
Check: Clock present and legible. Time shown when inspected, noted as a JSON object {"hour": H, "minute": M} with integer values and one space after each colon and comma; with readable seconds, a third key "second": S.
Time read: {"hour": 9, "minute": 33}
